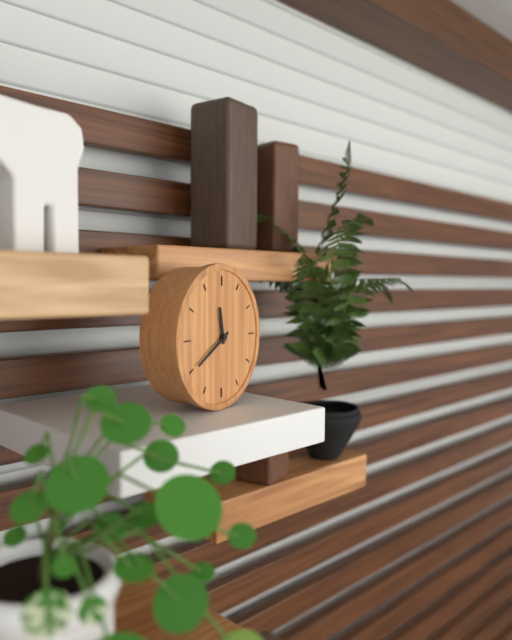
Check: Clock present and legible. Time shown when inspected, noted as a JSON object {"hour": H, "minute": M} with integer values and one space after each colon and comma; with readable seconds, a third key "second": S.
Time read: {"hour": 11, "minute": 40}
